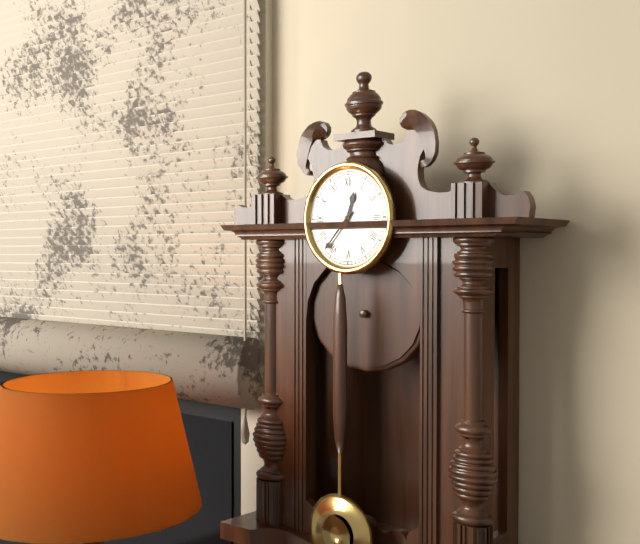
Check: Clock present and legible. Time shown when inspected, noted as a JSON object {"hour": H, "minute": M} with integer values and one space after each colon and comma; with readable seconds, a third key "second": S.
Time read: {"hour": 12, "minute": 37}
